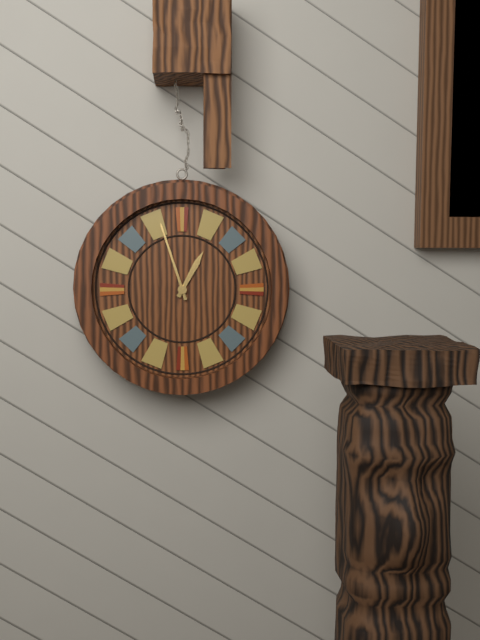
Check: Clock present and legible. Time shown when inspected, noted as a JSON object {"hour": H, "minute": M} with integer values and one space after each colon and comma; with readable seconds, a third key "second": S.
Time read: {"hour": 12, "minute": 57}
